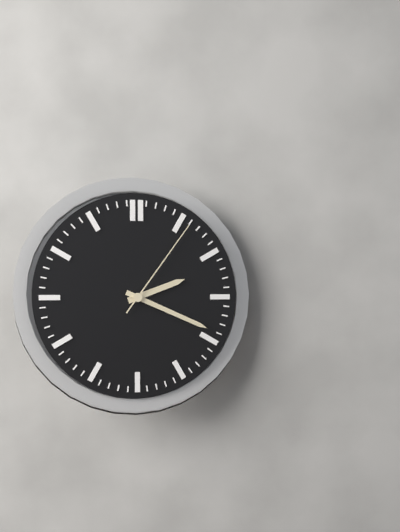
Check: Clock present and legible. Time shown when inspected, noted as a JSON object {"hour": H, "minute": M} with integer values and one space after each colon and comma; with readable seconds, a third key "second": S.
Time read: {"hour": 2, "minute": 19, "second": 6}
